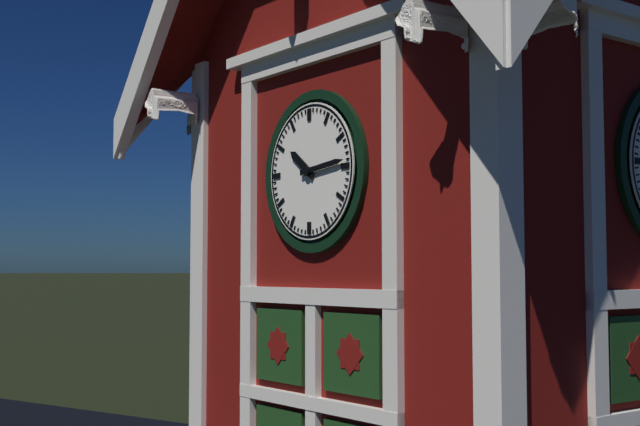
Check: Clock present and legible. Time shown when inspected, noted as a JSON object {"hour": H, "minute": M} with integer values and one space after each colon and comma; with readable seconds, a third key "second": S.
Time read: {"hour": 10, "minute": 14}
